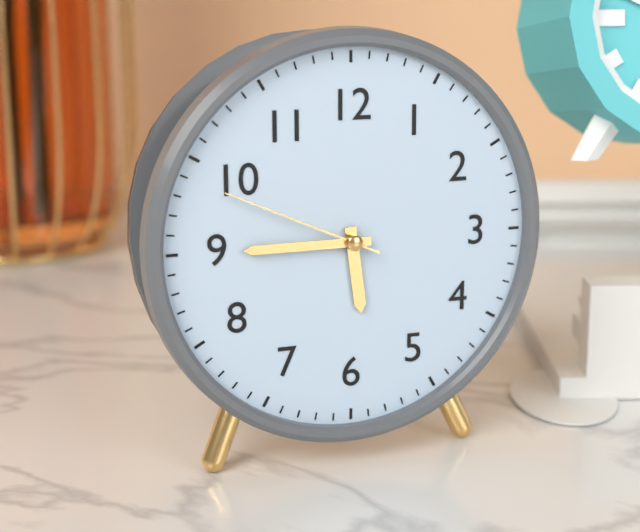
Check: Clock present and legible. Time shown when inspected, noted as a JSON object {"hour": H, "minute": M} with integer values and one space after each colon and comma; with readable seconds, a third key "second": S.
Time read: {"hour": 5, "minute": 45, "second": 49}
